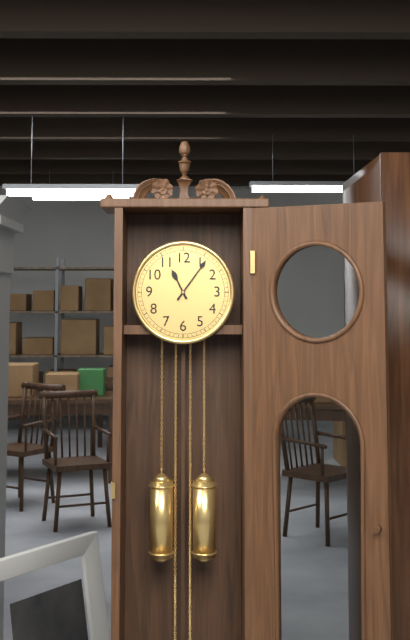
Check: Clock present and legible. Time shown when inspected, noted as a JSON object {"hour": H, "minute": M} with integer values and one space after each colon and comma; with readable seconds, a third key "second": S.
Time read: {"hour": 11, "minute": 6}
